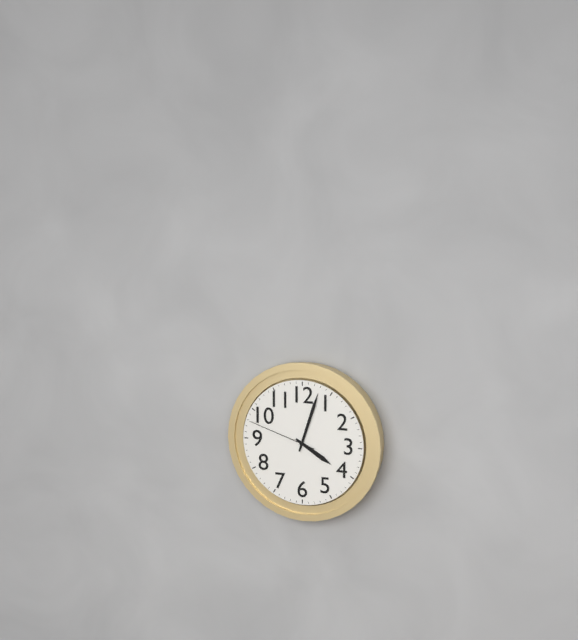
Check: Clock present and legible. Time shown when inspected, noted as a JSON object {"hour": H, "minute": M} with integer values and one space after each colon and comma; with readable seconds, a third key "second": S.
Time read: {"hour": 4, "minute": 3, "second": 48}
